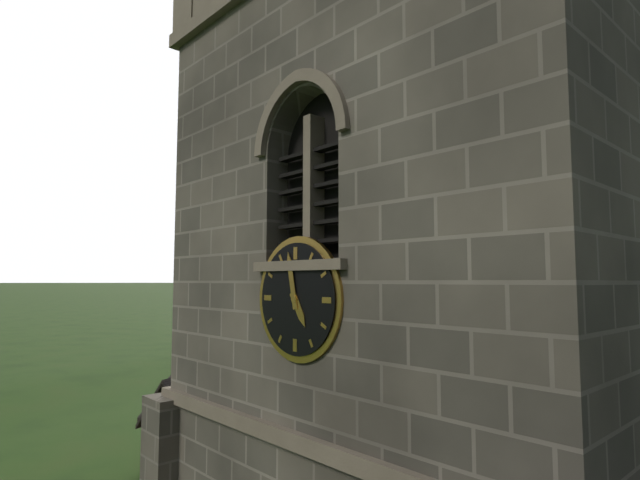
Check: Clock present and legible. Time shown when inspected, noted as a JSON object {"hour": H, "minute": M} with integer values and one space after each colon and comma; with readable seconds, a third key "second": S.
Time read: {"hour": 4, "minute": 58}
